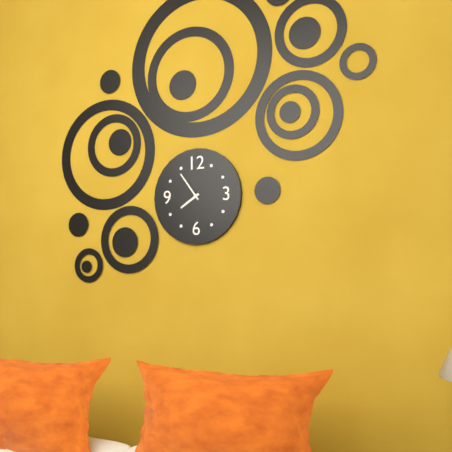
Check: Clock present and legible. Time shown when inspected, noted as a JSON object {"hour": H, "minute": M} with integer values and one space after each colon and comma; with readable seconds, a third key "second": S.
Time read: {"hour": 7, "minute": 54}
